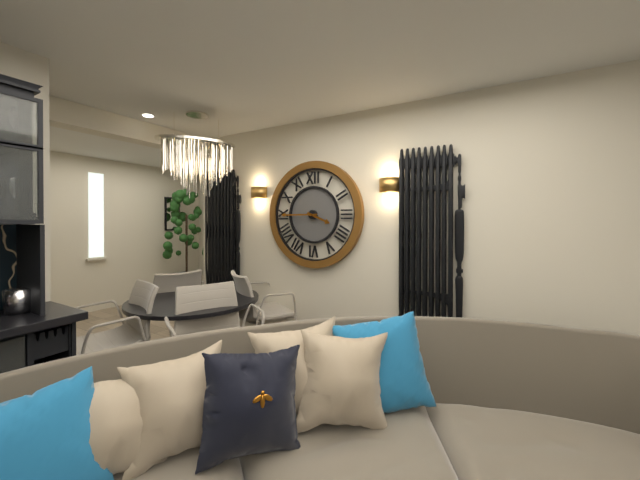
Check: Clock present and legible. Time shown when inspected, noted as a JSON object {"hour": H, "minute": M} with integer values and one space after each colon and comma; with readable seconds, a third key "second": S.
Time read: {"hour": 3, "minute": 45}
